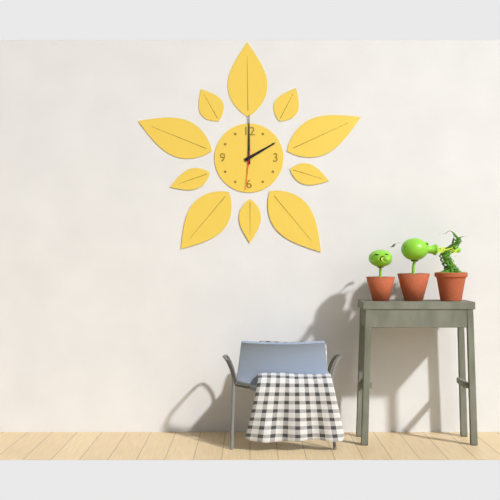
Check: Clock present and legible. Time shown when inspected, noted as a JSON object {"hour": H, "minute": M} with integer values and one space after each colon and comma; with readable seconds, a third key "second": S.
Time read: {"hour": 2, "minute": 0}
